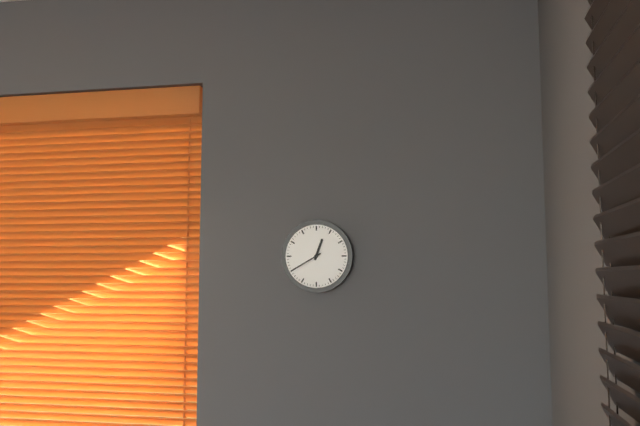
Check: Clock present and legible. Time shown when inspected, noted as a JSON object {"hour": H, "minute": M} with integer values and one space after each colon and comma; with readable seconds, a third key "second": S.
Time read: {"hour": 12, "minute": 40}
